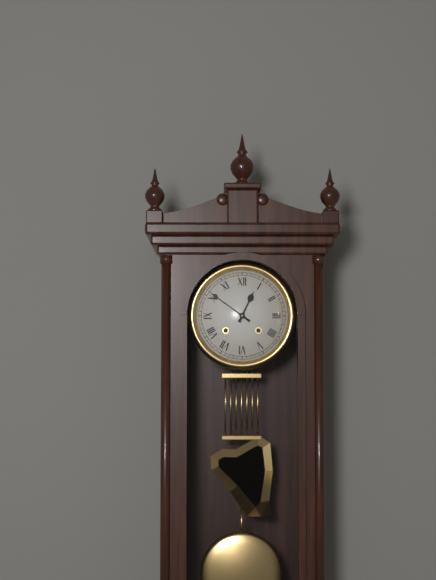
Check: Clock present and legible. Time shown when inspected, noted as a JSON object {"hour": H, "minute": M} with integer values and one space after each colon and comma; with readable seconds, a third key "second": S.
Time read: {"hour": 12, "minute": 51}
